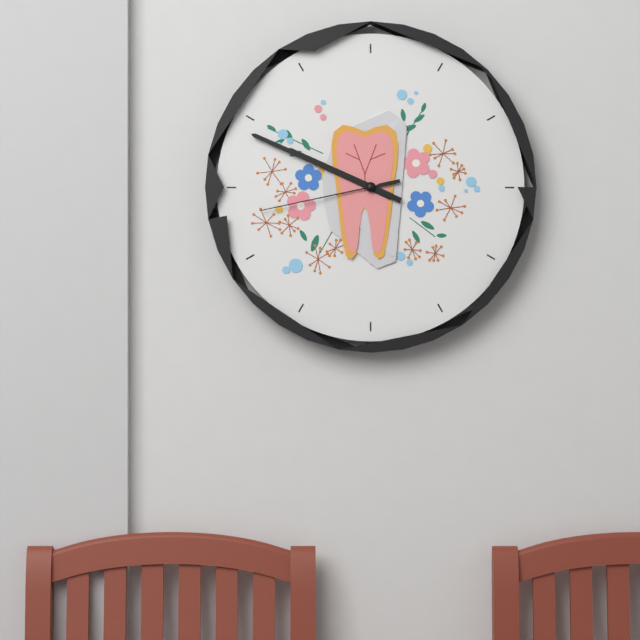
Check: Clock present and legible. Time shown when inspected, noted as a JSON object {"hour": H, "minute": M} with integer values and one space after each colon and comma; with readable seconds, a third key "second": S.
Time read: {"hour": 9, "minute": 49, "second": 43}
